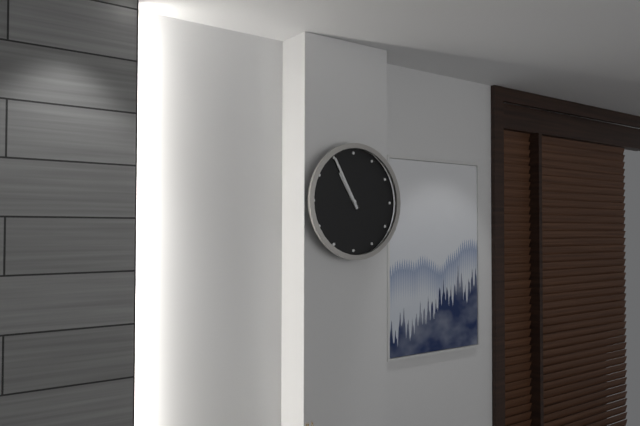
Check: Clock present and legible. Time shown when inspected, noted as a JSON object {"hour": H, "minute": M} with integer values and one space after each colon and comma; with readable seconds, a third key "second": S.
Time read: {"hour": 10, "minute": 55}
